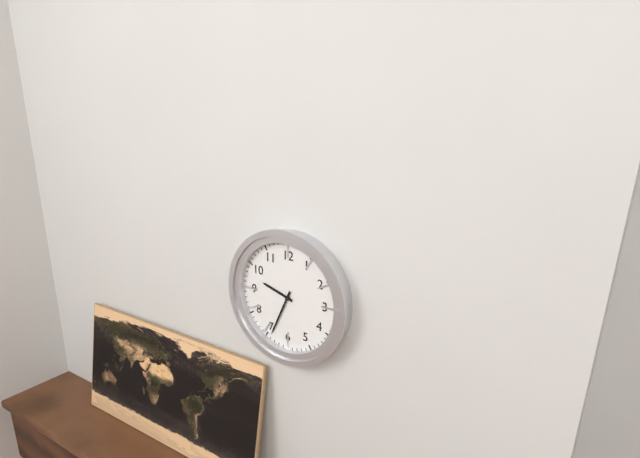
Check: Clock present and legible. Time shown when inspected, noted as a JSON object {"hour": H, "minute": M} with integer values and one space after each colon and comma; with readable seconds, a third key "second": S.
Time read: {"hour": 9, "minute": 34}
